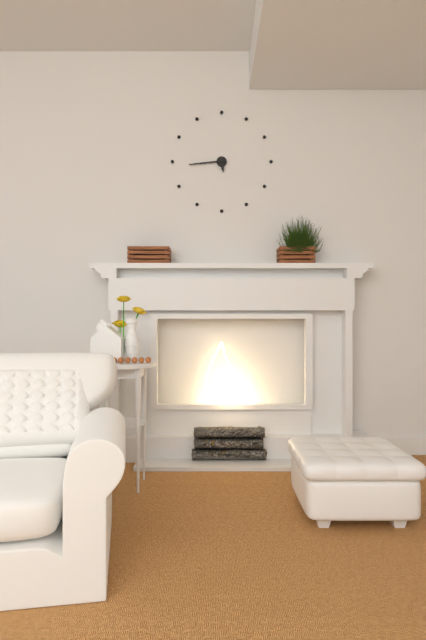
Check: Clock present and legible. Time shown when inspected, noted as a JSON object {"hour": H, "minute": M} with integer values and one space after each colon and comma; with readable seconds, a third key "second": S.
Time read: {"hour": 5, "minute": 44}
